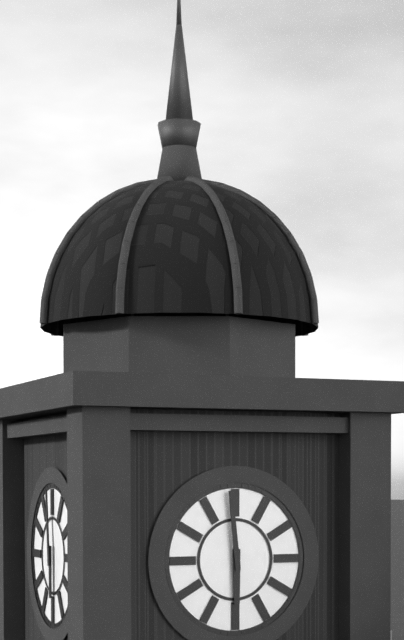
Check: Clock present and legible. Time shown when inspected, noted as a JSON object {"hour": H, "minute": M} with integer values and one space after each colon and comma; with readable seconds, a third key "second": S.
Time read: {"hour": 5, "minute": 59}
